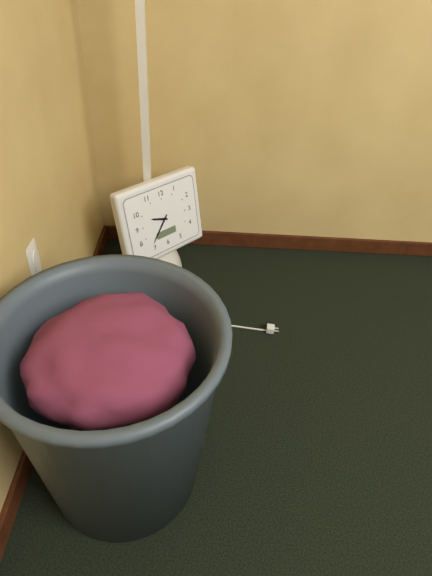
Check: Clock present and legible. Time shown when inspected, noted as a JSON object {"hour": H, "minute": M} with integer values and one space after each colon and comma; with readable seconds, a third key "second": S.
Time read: {"hour": 9, "minute": 37}
